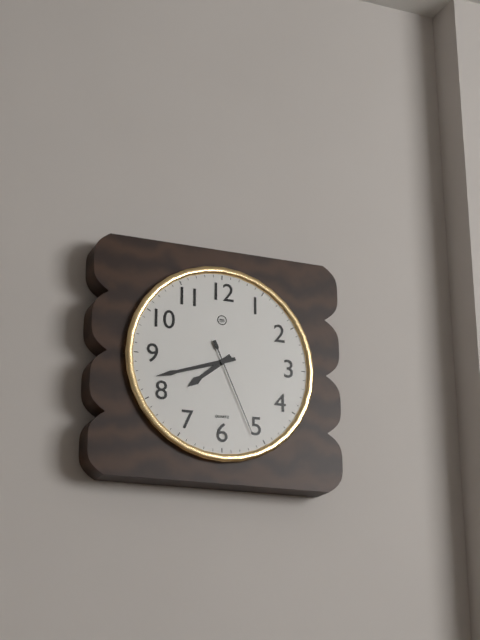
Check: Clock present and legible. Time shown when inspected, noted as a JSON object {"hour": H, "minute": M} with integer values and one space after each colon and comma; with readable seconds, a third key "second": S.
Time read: {"hour": 7, "minute": 42, "second": 26}
